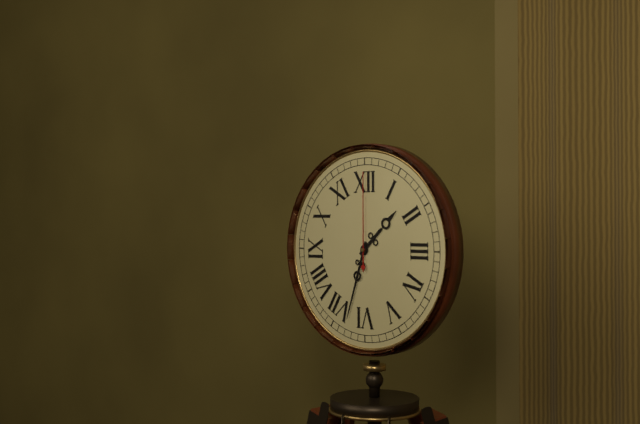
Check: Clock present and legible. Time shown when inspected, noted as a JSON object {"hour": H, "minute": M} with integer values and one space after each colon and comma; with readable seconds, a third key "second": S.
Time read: {"hour": 1, "minute": 33, "second": 0}
